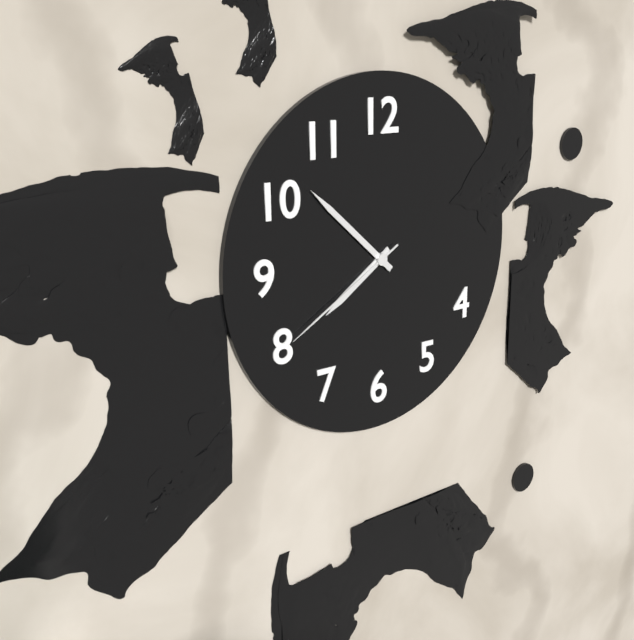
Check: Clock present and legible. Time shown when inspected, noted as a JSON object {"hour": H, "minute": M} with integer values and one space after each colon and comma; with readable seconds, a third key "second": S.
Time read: {"hour": 7, "minute": 52, "second": 40}
